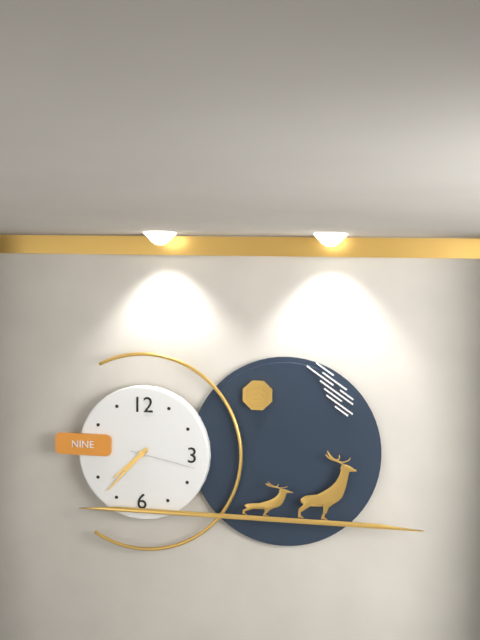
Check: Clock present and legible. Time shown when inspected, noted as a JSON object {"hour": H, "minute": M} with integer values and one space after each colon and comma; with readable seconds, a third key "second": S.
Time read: {"hour": 7, "minute": 37, "second": 17}
